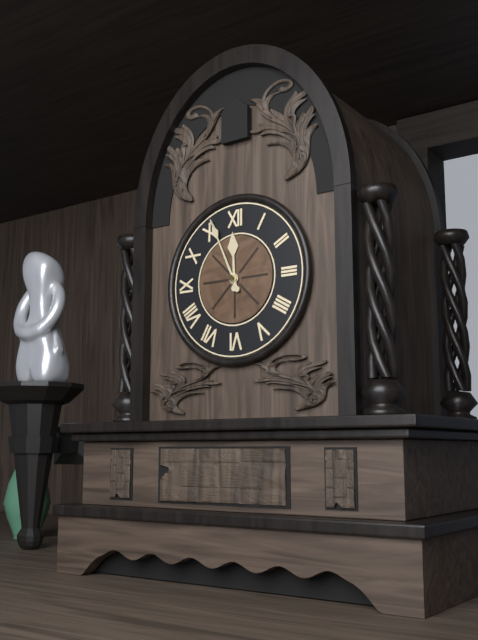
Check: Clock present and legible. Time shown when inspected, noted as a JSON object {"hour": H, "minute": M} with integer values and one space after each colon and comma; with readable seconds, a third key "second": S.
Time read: {"hour": 11, "minute": 56}
